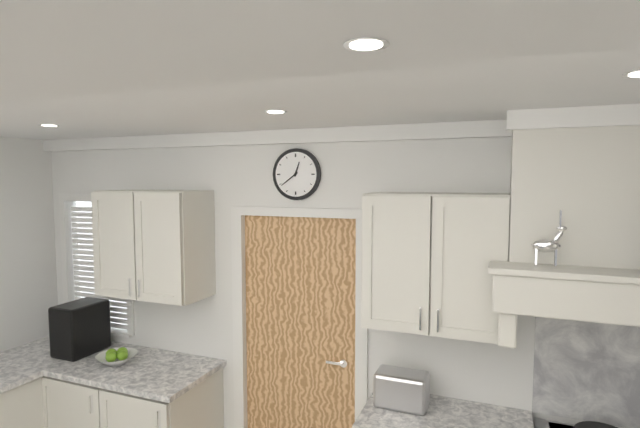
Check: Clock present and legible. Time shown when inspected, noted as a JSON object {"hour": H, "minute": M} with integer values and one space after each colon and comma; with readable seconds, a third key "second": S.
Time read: {"hour": 12, "minute": 39}
